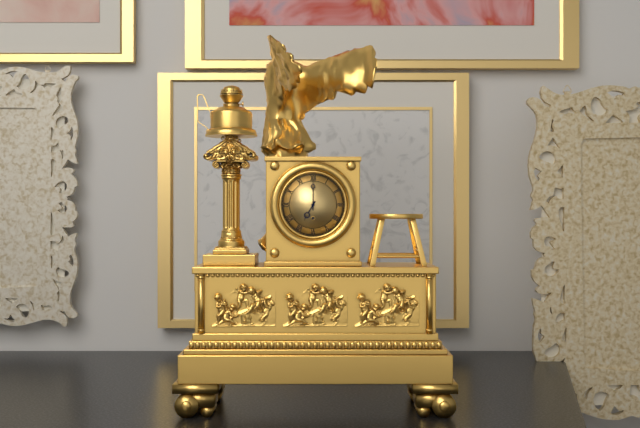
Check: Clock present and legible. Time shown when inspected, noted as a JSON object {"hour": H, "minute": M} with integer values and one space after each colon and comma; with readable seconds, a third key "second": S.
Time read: {"hour": 7, "minute": 0}
